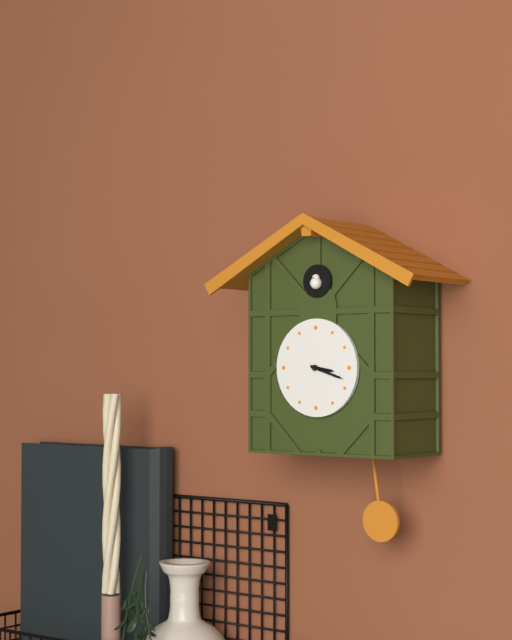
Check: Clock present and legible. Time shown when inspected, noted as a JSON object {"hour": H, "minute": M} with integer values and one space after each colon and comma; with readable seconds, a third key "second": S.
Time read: {"hour": 3, "minute": 18}
